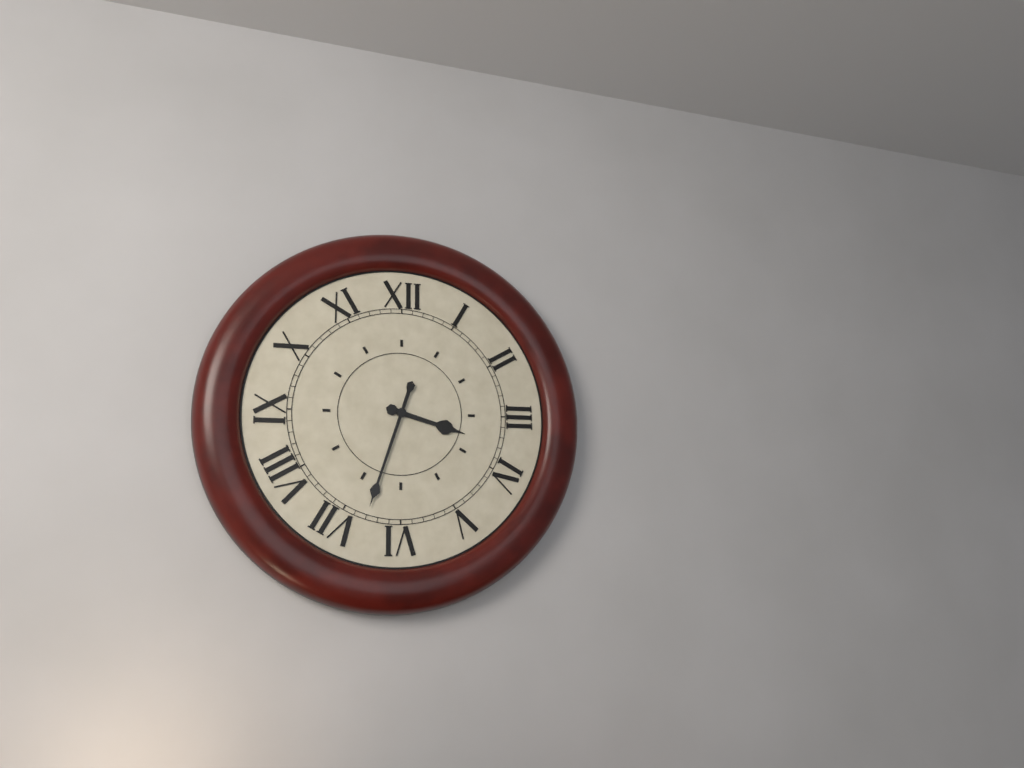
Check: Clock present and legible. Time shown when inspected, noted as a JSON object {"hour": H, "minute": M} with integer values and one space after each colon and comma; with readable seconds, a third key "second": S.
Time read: {"hour": 3, "minute": 33}
